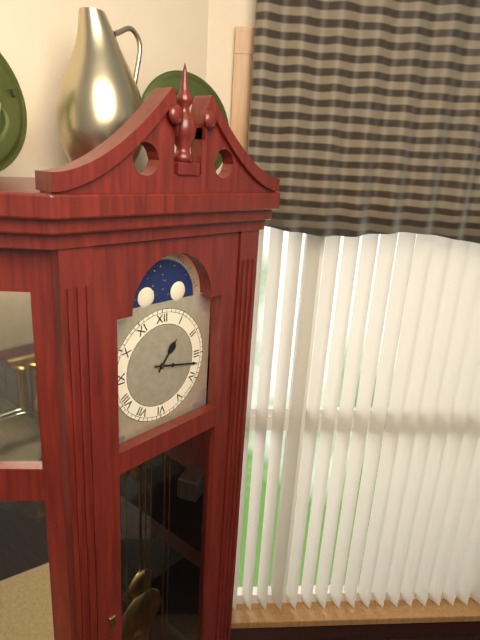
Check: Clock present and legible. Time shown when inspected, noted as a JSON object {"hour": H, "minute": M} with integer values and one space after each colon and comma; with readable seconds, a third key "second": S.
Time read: {"hour": 1, "minute": 17}
